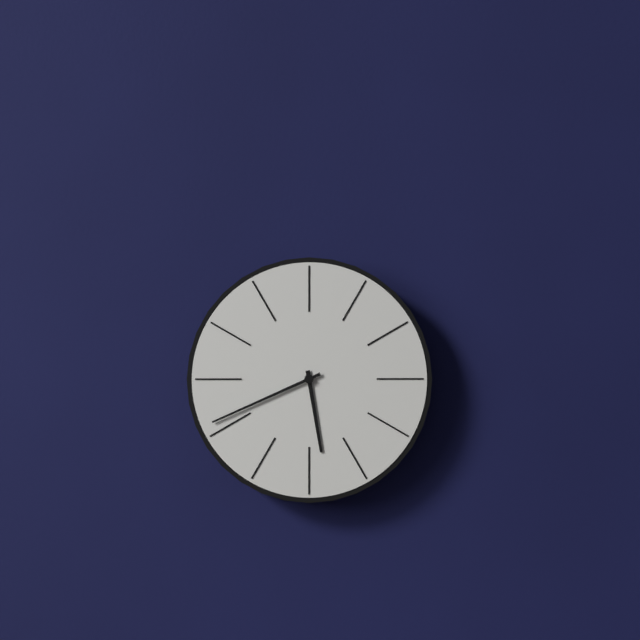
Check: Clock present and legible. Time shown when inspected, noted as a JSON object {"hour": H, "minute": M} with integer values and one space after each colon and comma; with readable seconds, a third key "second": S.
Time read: {"hour": 5, "minute": 41}
